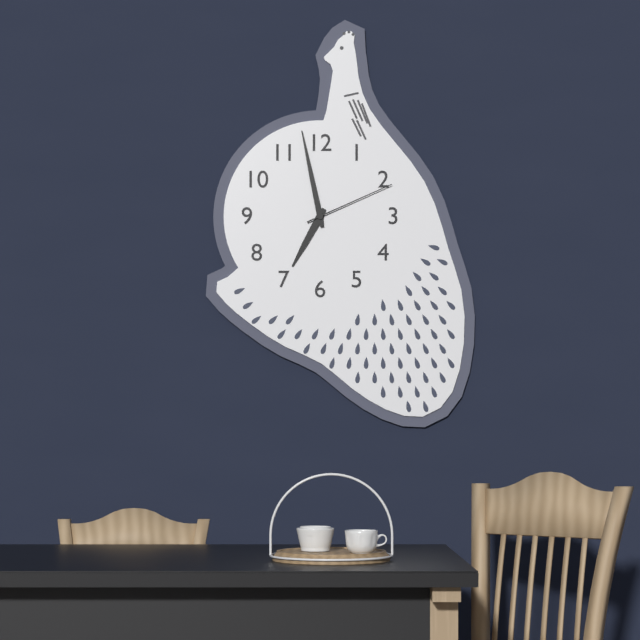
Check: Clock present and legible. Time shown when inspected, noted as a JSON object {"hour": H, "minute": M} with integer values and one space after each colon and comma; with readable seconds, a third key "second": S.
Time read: {"hour": 6, "minute": 58, "second": 11}
